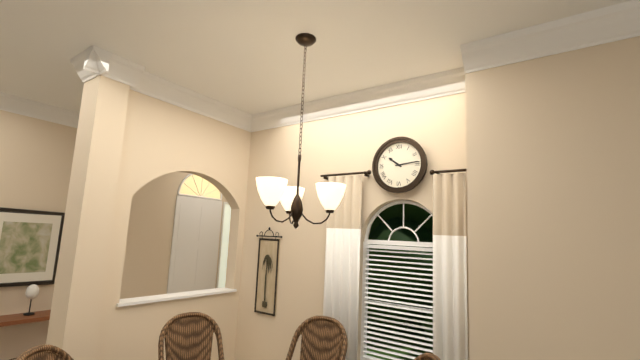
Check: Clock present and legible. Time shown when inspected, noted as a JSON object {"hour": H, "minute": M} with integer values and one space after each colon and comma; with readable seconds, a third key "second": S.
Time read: {"hour": 10, "minute": 14}
